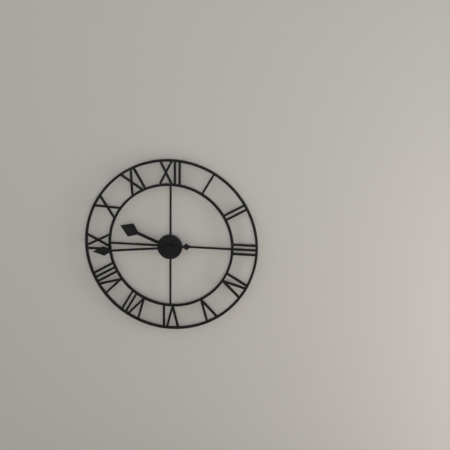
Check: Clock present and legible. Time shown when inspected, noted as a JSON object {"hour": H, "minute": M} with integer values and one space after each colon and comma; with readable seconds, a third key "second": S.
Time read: {"hour": 9, "minute": 44}
